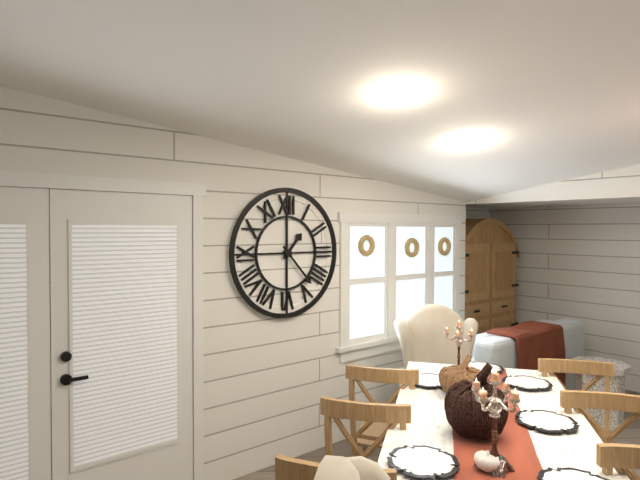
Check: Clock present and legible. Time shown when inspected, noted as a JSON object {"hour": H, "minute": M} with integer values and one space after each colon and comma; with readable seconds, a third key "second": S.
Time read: {"hour": 1, "minute": 23}
